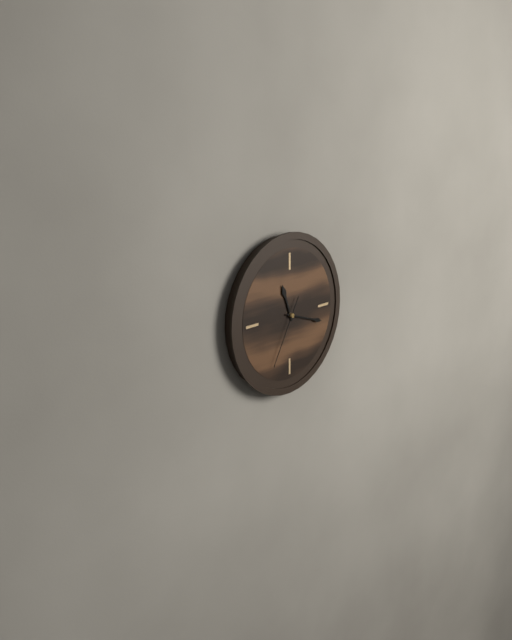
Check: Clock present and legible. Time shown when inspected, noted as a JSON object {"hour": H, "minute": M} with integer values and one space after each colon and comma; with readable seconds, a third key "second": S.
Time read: {"hour": 11, "minute": 18, "second": 35}
